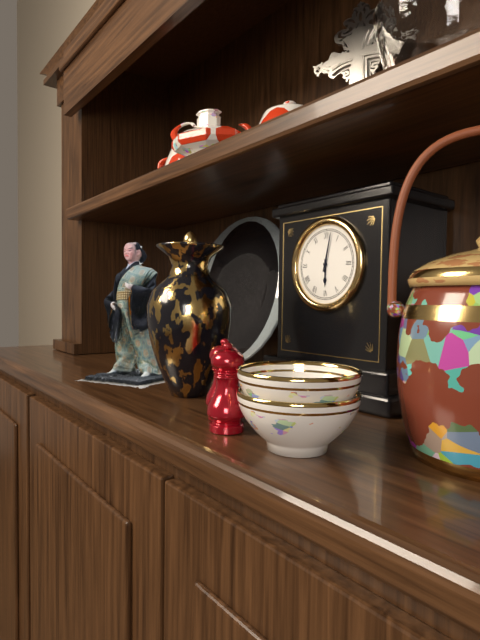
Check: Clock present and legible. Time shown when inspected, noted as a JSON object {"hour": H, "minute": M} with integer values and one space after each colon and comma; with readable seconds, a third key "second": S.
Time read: {"hour": 6, "minute": 2}
